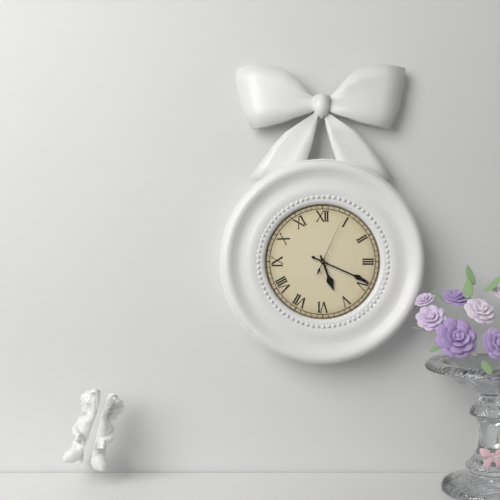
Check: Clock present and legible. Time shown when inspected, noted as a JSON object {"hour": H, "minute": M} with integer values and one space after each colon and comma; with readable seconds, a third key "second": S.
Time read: {"hour": 5, "minute": 19, "second": 4}
